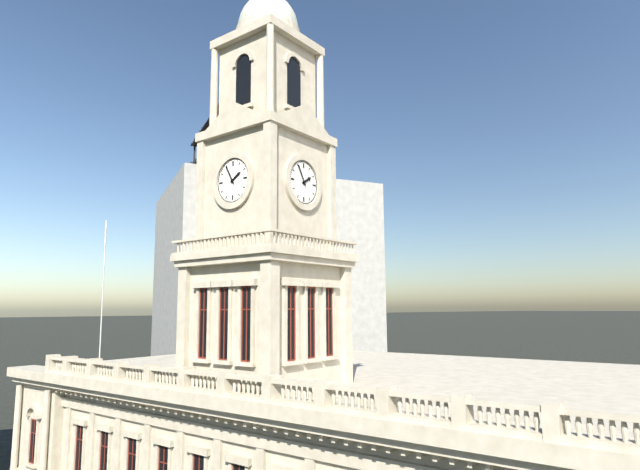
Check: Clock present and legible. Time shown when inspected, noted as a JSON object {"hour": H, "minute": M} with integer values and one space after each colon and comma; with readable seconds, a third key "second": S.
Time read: {"hour": 1, "minute": 55}
